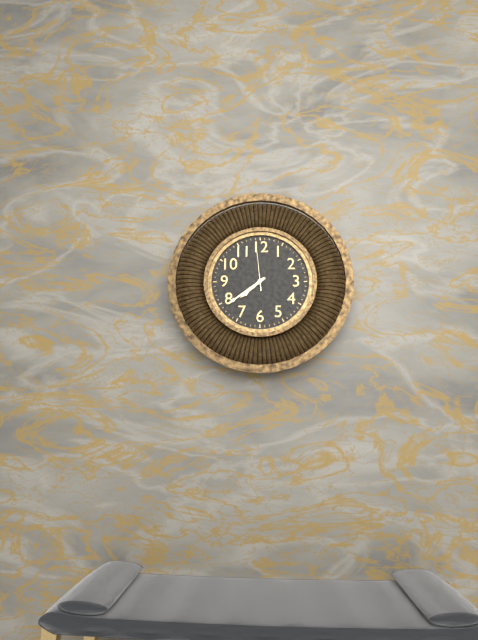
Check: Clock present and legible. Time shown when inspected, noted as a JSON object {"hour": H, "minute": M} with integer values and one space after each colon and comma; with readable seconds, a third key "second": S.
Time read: {"hour": 7, "minute": 39, "second": 59}
